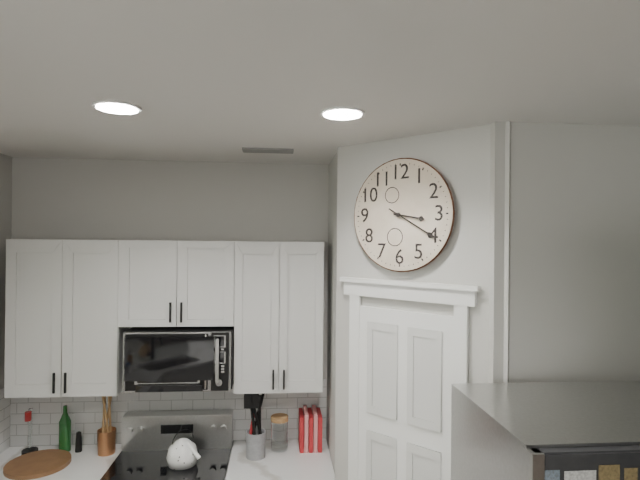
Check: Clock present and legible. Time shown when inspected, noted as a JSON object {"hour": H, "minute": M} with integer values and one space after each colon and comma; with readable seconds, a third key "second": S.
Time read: {"hour": 3, "minute": 20}
